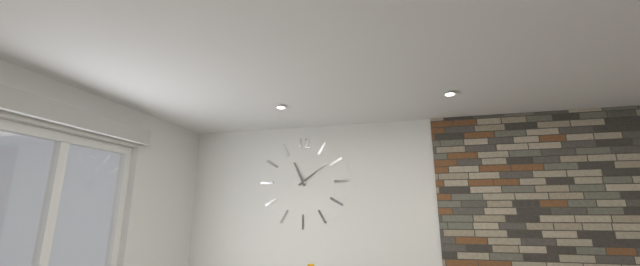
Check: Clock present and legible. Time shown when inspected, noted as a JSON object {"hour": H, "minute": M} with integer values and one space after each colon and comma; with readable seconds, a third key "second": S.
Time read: {"hour": 11, "minute": 9}
